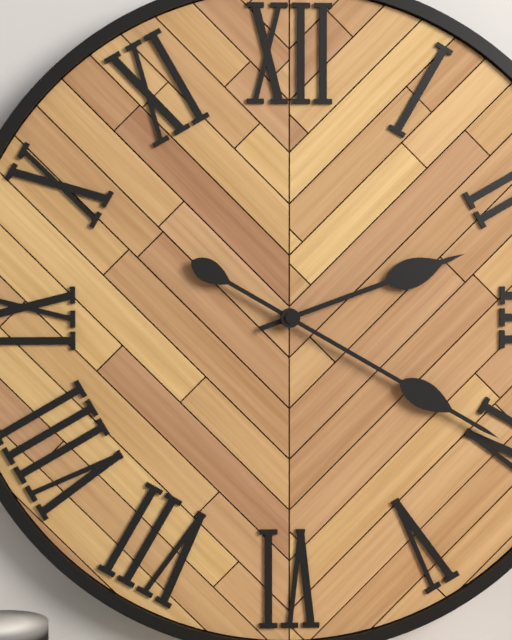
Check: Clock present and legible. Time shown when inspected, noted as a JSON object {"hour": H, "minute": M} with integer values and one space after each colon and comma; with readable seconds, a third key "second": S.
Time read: {"hour": 2, "minute": 20}
